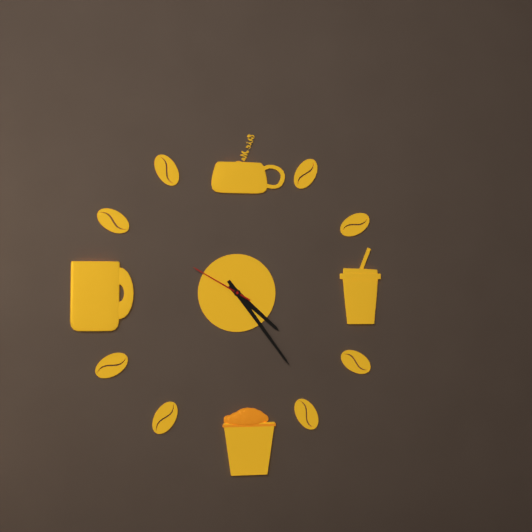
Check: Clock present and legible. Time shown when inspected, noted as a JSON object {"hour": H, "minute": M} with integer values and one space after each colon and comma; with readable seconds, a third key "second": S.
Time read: {"hour": 4, "minute": 24, "second": 50}
